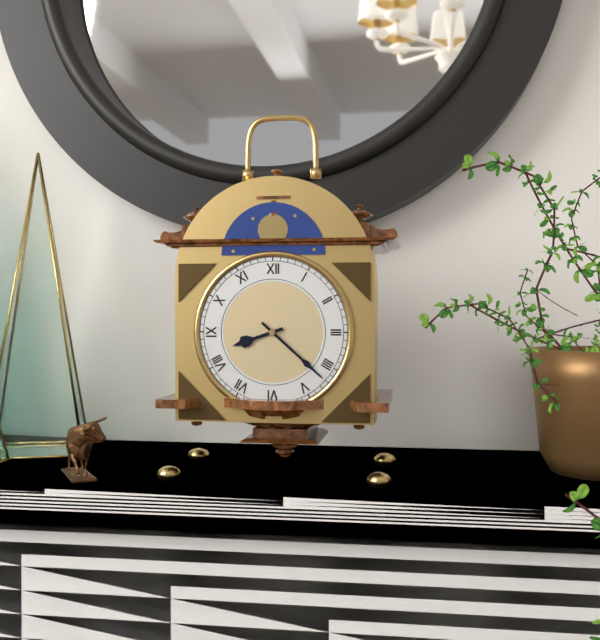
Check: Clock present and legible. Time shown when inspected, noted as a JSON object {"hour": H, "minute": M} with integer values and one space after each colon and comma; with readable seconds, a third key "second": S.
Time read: {"hour": 8, "minute": 22}
